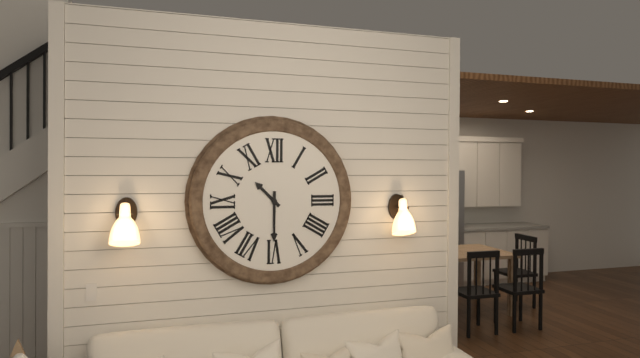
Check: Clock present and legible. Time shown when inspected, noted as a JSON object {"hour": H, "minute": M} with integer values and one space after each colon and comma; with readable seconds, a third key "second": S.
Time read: {"hour": 10, "minute": 30}
